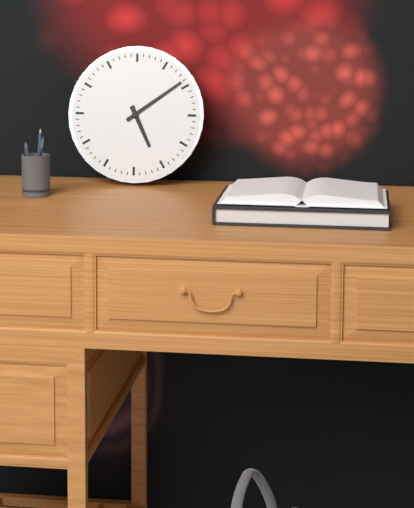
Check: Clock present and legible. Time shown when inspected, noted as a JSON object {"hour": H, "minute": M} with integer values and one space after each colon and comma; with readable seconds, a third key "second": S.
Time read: {"hour": 5, "minute": 9}
